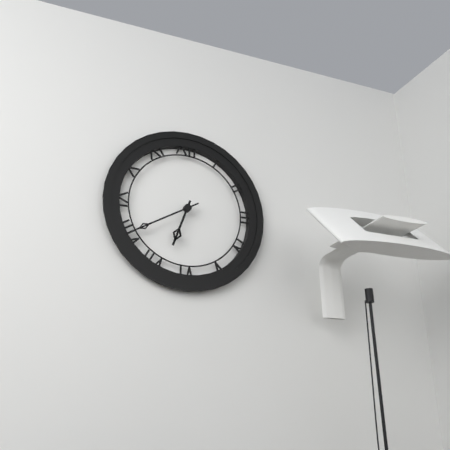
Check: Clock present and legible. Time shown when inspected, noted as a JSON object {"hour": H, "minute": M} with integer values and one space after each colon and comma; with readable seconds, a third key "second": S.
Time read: {"hour": 6, "minute": 40}
